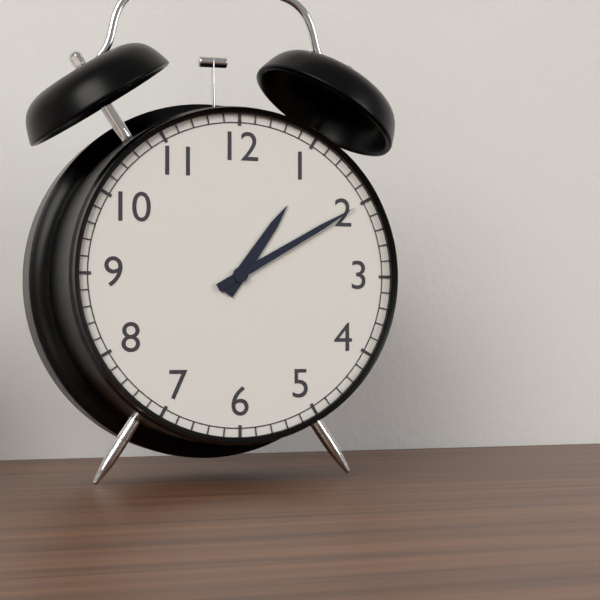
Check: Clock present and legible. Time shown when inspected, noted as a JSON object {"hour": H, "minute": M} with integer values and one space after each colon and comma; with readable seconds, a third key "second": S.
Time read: {"hour": 1, "minute": 10}
